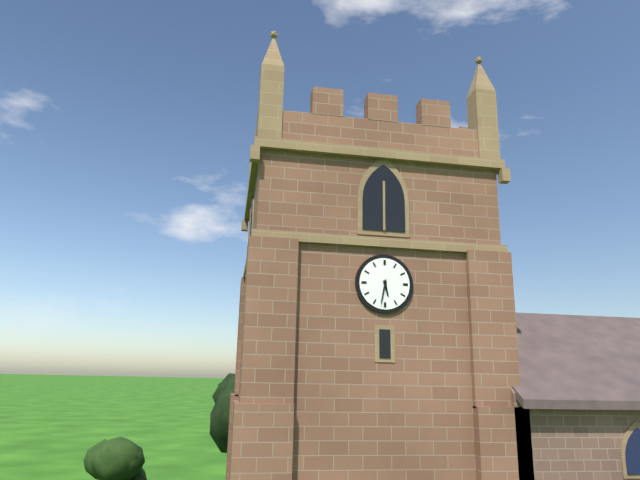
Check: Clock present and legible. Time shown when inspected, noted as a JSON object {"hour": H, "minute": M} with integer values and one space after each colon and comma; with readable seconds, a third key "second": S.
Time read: {"hour": 5, "minute": 32}
